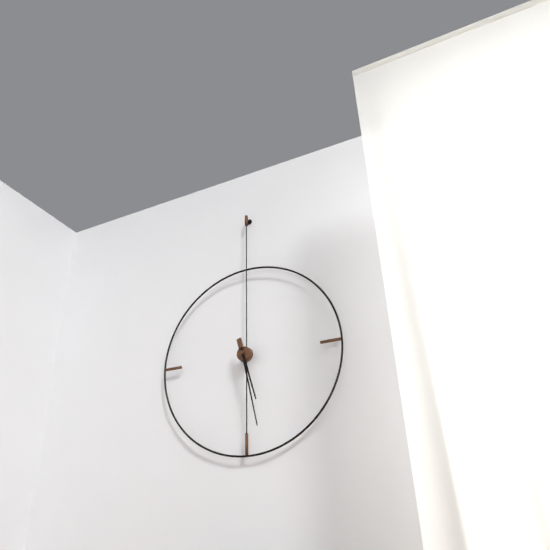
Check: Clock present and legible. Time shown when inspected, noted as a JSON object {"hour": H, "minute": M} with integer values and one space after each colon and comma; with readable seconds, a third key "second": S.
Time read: {"hour": 5, "minute": 28}
